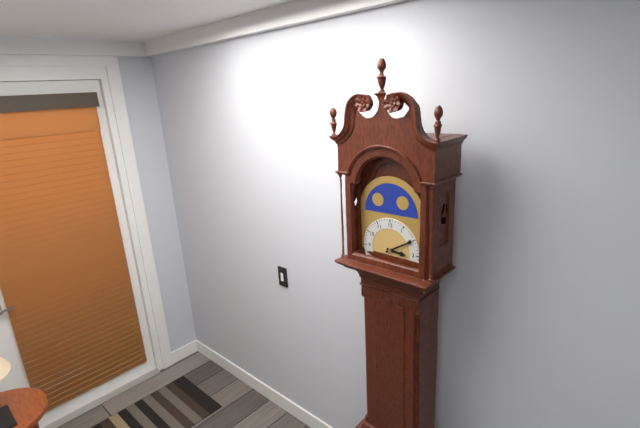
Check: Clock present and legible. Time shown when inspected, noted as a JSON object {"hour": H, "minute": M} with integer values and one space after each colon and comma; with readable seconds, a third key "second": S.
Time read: {"hour": 3, "minute": 10}
